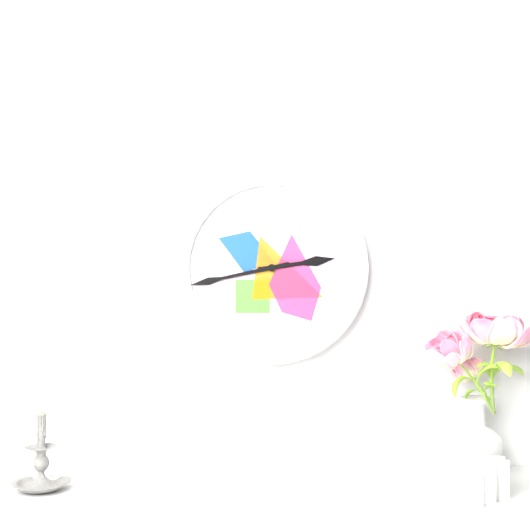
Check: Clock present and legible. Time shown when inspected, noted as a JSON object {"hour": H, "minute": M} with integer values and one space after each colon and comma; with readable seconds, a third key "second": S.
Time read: {"hour": 2, "minute": 43}
